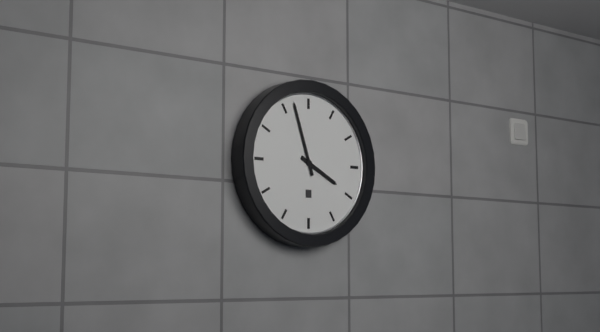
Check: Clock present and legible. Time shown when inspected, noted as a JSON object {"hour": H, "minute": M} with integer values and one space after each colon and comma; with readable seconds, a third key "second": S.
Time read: {"hour": 3, "minute": 57}
